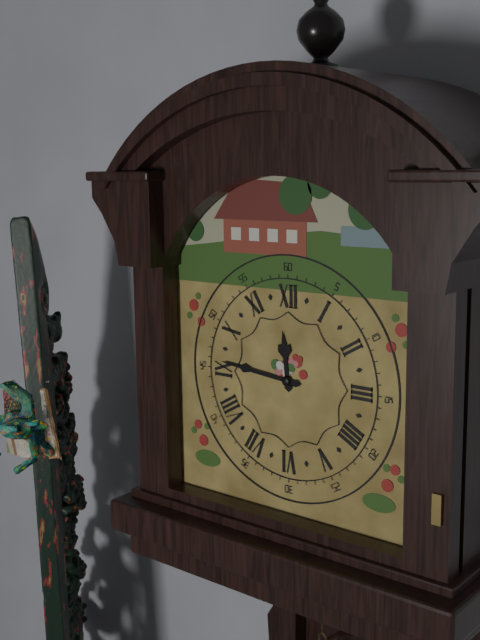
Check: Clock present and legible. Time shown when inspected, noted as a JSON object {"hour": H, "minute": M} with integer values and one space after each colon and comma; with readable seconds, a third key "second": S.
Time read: {"hour": 11, "minute": 46}
